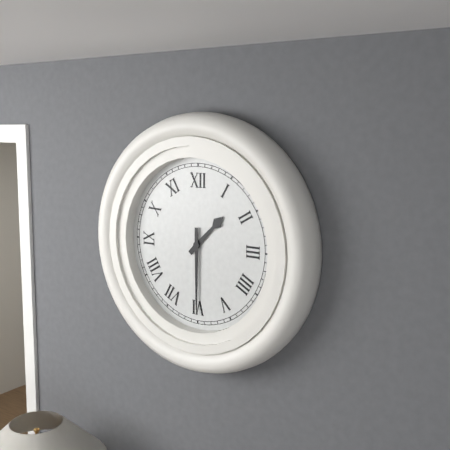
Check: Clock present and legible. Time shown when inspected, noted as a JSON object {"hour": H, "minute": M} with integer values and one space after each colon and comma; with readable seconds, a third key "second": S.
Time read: {"hour": 1, "minute": 30}
